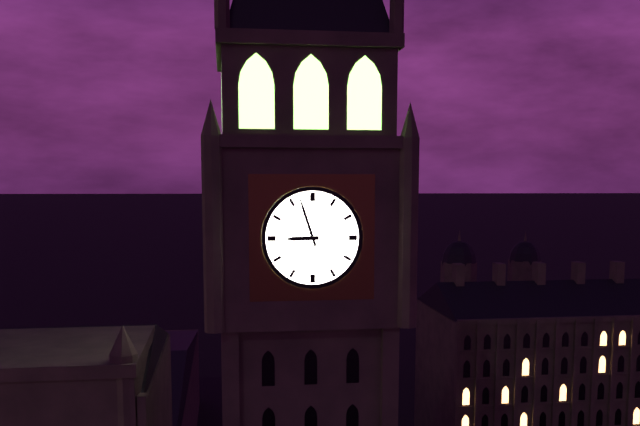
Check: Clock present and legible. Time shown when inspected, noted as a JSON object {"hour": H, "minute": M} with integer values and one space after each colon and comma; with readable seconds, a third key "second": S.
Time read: {"hour": 8, "minute": 57}
